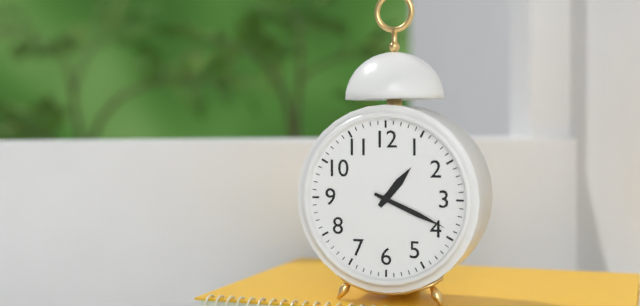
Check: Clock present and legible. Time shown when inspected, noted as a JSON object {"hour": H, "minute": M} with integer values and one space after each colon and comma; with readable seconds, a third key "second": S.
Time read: {"hour": 1, "minute": 19}
